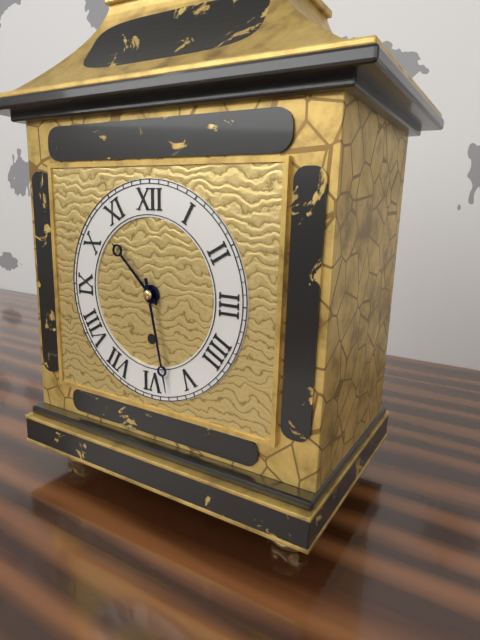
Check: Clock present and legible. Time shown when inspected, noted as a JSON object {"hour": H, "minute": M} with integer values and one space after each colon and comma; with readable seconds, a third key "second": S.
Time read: {"hour": 10, "minute": 28}
